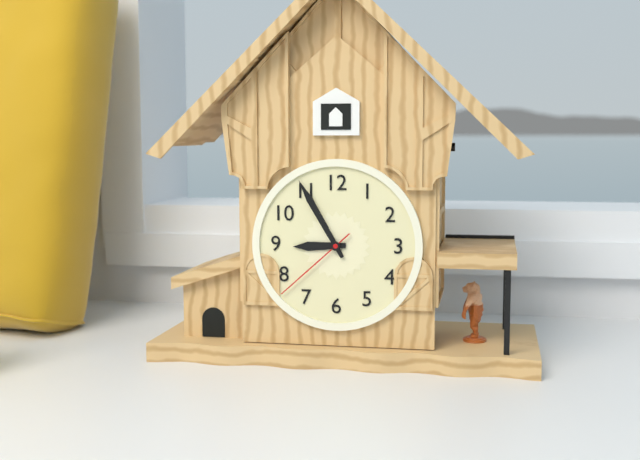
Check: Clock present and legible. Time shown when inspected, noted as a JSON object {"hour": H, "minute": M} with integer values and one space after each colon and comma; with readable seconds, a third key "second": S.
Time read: {"hour": 8, "minute": 55, "second": 38}
